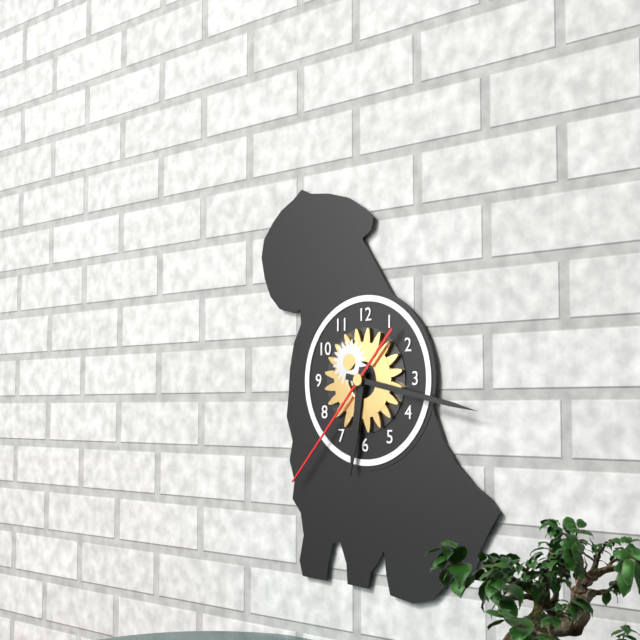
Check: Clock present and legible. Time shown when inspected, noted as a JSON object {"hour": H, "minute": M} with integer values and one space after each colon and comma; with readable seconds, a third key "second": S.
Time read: {"hour": 6, "minute": 17, "second": 37}
